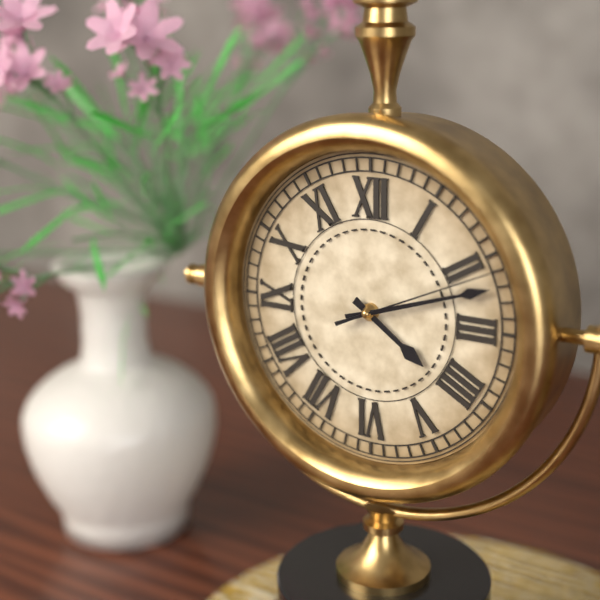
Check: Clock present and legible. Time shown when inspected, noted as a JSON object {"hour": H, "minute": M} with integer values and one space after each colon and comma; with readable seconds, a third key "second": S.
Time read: {"hour": 4, "minute": 12, "second": 11}
